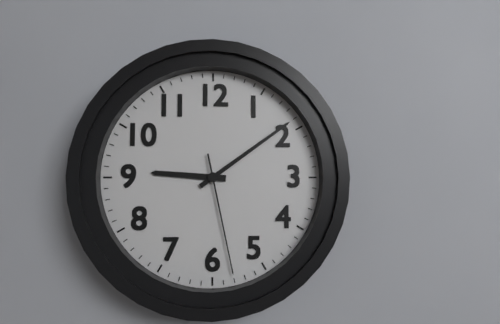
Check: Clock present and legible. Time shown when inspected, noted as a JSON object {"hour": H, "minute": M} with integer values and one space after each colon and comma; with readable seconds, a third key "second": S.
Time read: {"hour": 9, "minute": 9, "second": 28}
